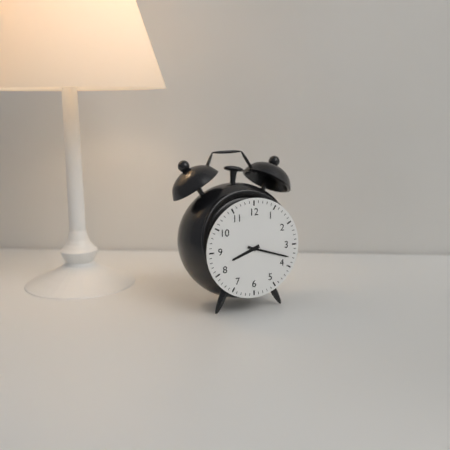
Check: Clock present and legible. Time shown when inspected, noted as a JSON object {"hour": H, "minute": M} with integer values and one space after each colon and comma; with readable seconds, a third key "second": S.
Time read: {"hour": 8, "minute": 18}
